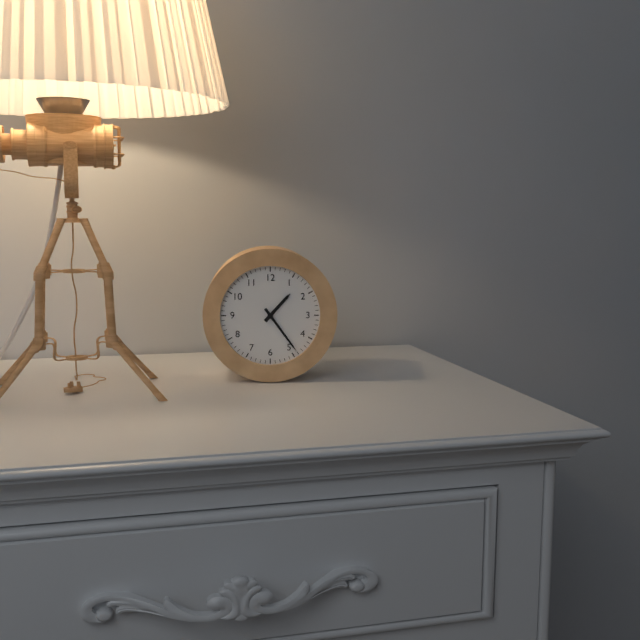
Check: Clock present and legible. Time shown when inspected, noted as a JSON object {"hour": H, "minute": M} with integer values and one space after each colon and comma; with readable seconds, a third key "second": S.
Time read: {"hour": 1, "minute": 24}
